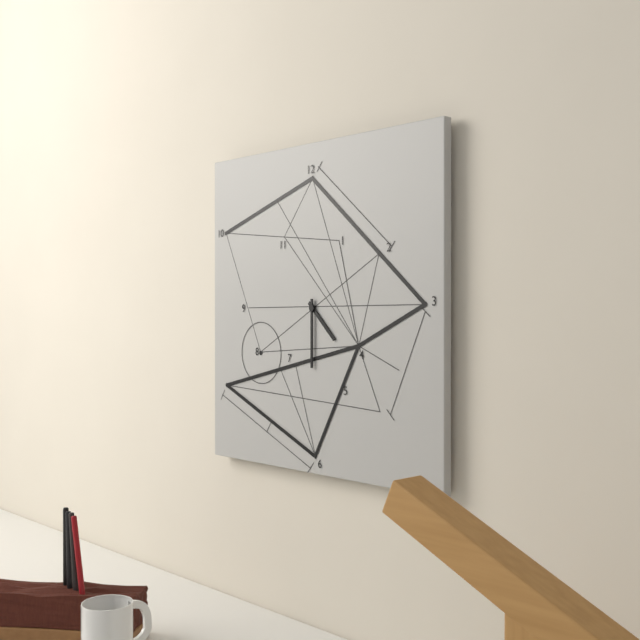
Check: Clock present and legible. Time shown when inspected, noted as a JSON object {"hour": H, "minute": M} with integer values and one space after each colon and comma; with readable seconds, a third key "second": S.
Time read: {"hour": 4, "minute": 30}
